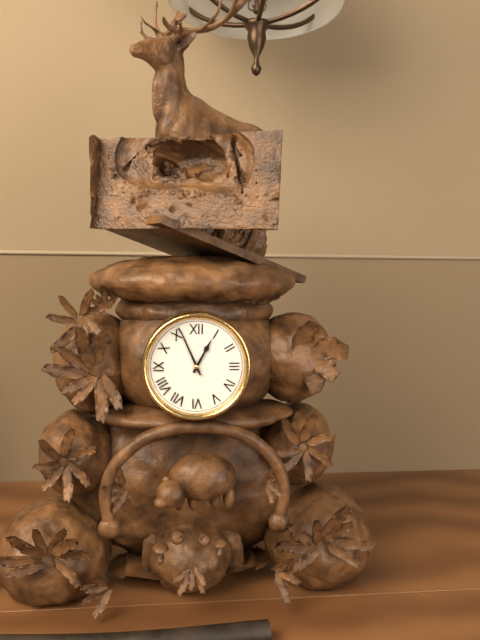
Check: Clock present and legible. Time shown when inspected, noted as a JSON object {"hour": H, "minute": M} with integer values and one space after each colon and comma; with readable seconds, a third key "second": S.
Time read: {"hour": 12, "minute": 56}
